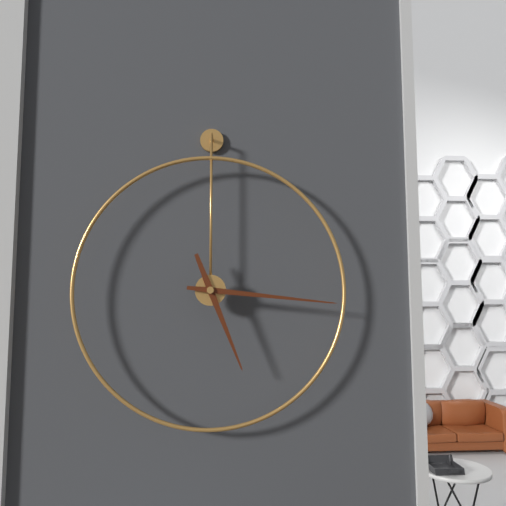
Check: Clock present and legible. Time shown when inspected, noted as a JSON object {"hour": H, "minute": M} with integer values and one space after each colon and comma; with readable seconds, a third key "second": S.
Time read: {"hour": 5, "minute": 16}
